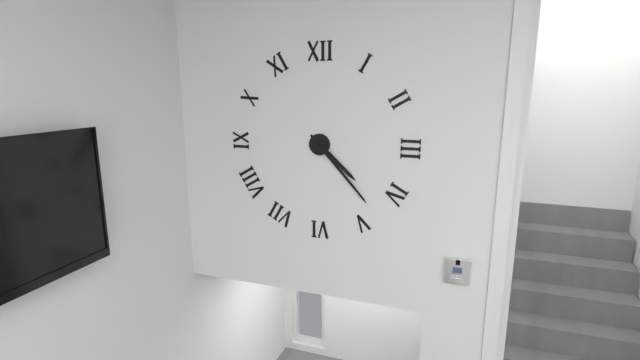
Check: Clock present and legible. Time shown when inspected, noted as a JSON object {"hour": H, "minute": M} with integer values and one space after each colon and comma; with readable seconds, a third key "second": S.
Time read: {"hour": 4, "minute": 23}
